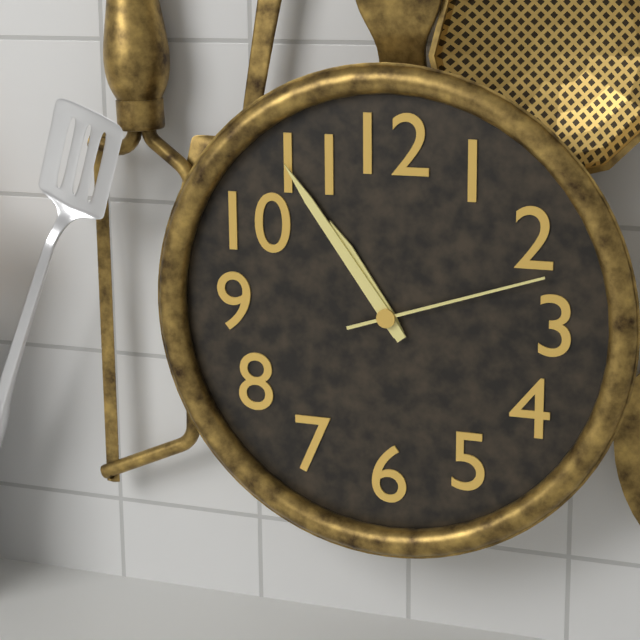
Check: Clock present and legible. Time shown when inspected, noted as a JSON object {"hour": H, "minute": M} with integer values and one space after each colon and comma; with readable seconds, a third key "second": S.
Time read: {"hour": 10, "minute": 54, "second": 12}
